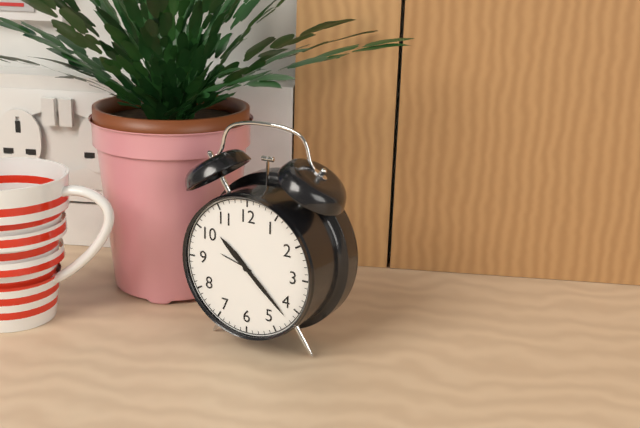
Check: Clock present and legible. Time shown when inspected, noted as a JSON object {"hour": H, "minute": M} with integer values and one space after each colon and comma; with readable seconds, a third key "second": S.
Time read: {"hour": 10, "minute": 22}
